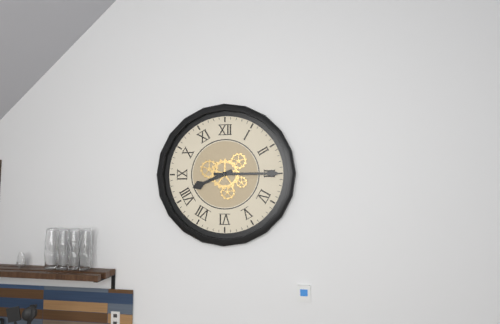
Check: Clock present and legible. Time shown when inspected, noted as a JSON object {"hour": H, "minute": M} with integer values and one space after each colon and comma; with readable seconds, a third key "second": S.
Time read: {"hour": 8, "minute": 15}
